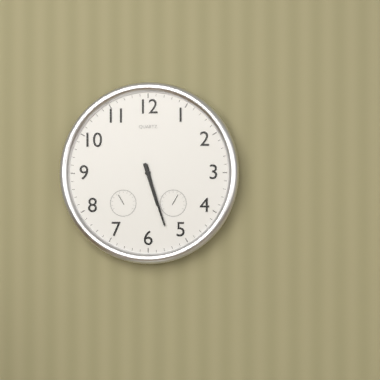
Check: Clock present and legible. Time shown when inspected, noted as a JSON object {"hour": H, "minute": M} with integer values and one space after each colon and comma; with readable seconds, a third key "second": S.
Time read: {"hour": 5, "minute": 27}
